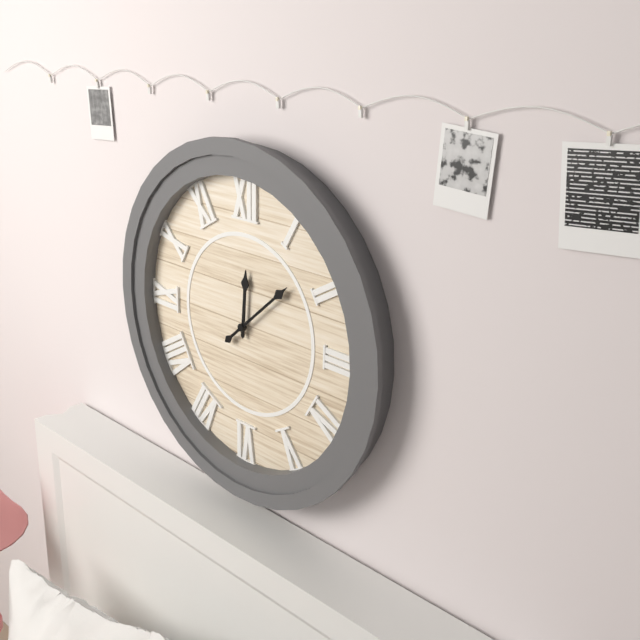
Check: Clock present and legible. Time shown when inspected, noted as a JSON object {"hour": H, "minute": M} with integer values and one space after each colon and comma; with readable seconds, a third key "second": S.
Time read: {"hour": 12, "minute": 8}
